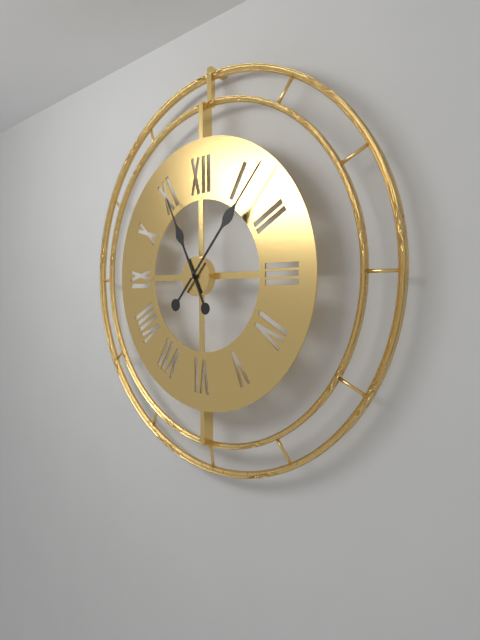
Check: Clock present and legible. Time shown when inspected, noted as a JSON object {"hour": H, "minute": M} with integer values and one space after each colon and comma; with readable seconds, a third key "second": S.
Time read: {"hour": 11, "minute": 7}
